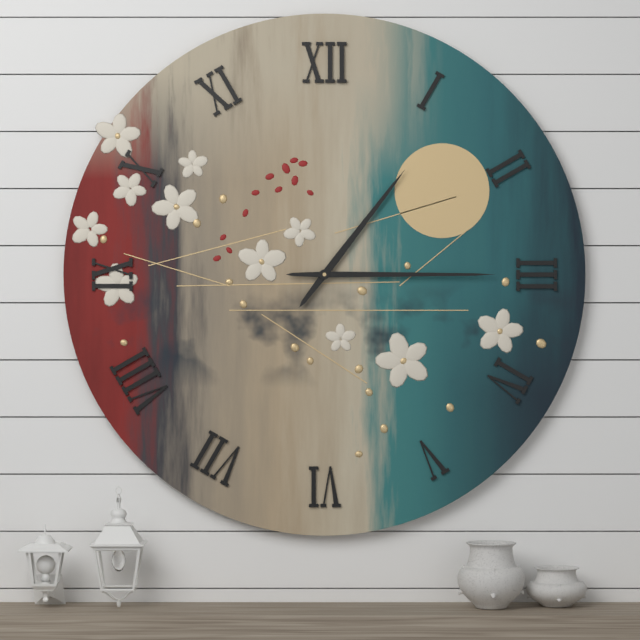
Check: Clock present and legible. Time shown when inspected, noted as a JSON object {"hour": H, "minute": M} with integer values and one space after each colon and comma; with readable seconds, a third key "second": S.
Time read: {"hour": 1, "minute": 15}
